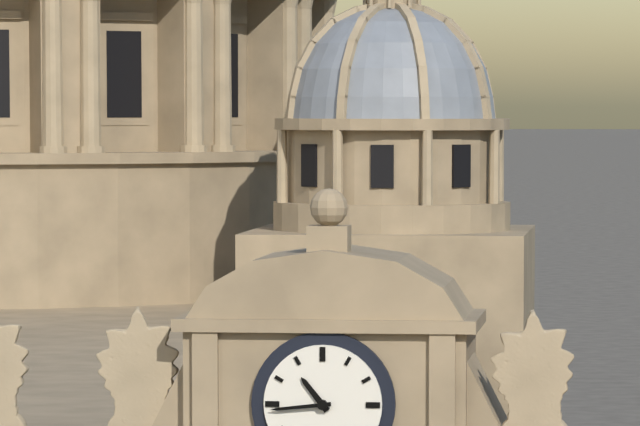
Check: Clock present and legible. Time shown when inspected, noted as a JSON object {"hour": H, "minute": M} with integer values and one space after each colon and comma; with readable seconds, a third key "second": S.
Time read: {"hour": 10, "minute": 44}
